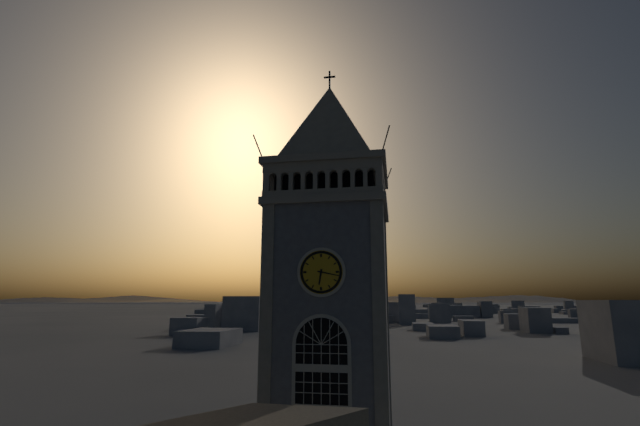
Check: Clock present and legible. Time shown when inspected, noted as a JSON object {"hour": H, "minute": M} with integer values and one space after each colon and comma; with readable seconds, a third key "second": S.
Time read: {"hour": 6, "minute": 17}
